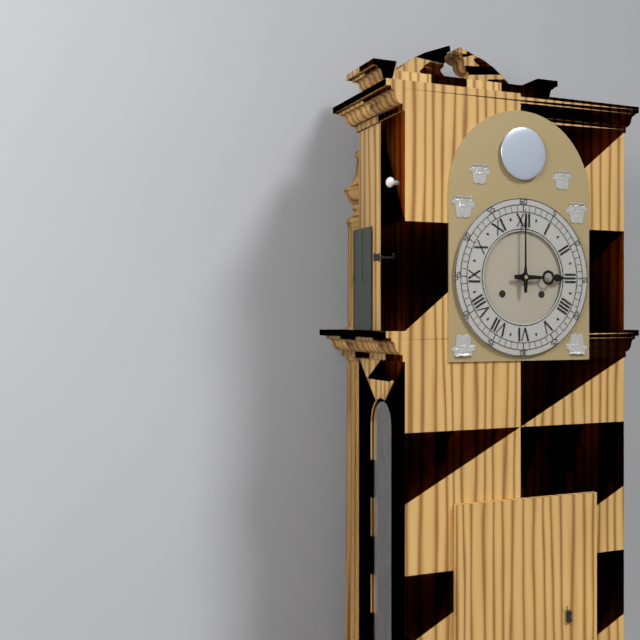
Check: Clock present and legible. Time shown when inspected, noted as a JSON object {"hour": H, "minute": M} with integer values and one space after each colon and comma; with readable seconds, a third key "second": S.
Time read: {"hour": 3, "minute": 0}
